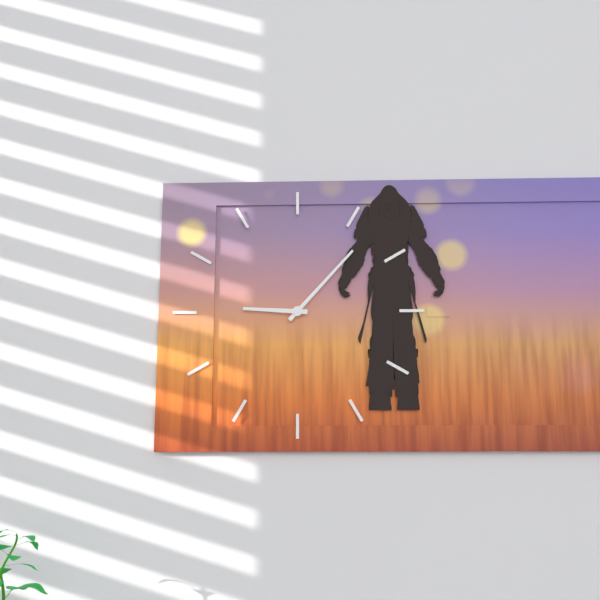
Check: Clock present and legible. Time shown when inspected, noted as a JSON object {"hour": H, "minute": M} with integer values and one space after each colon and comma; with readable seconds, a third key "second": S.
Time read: {"hour": 9, "minute": 7}
